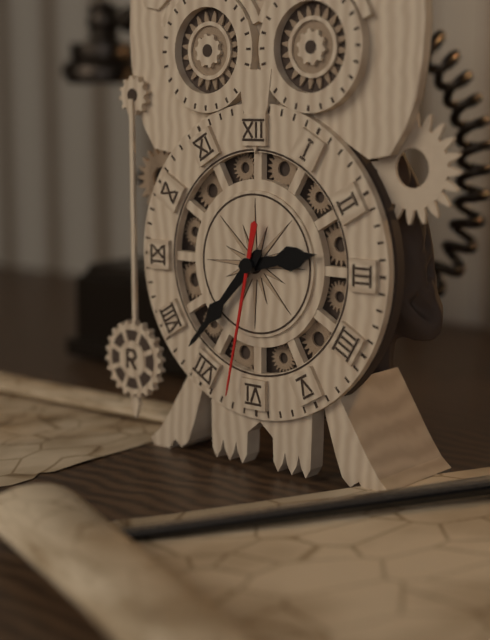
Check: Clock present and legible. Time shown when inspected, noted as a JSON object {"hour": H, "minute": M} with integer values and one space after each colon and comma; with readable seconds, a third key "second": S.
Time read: {"hour": 2, "minute": 37, "second": 32}
